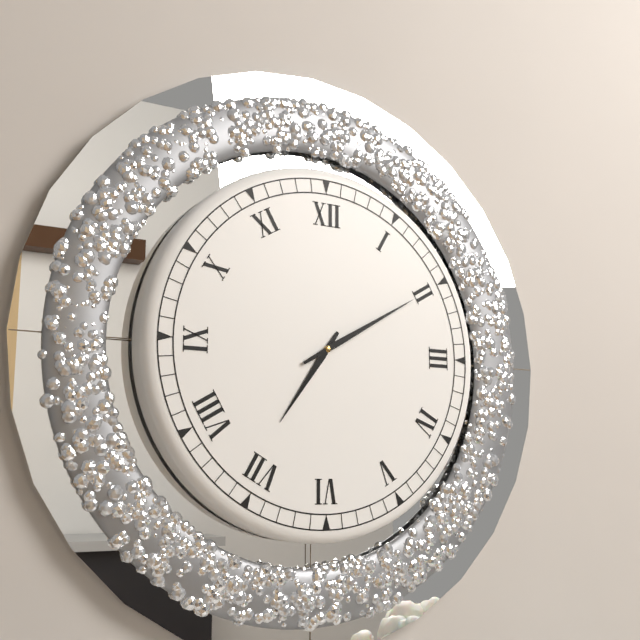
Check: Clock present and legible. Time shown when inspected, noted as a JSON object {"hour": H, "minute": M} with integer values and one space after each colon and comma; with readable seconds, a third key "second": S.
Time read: {"hour": 7, "minute": 10}
